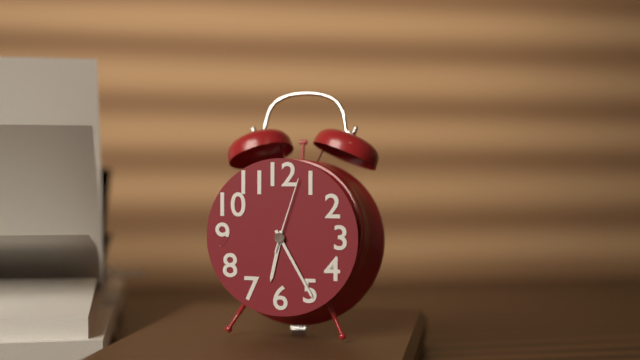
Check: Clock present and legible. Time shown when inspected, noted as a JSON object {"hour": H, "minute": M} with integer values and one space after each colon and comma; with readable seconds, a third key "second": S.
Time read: {"hour": 6, "minute": 25, "second": 3}
